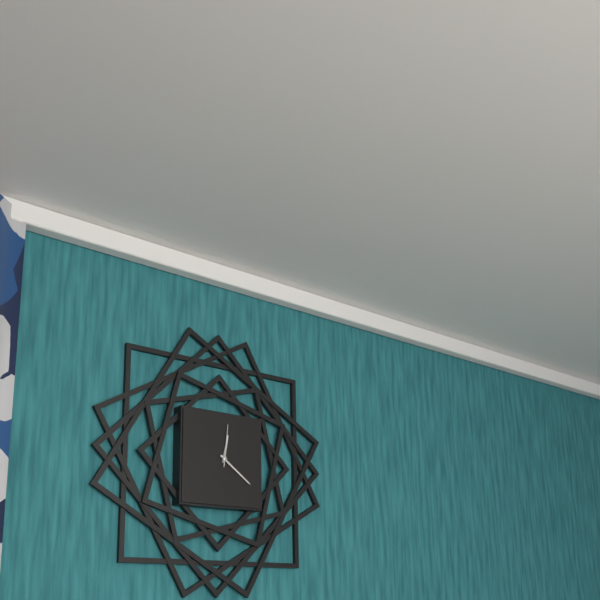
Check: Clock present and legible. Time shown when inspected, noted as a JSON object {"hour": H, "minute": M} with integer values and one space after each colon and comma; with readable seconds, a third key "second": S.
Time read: {"hour": 12, "minute": 21}
